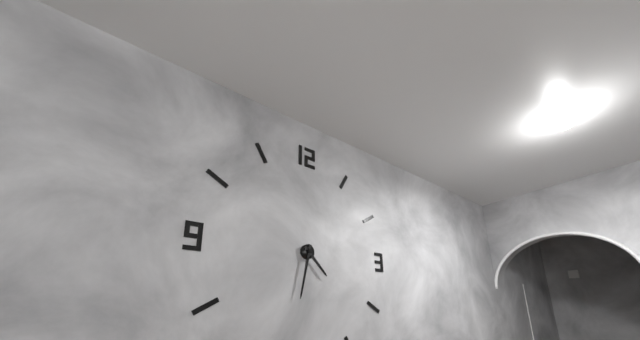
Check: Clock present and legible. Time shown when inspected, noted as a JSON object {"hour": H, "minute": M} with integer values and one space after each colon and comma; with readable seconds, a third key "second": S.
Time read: {"hour": 4, "minute": 32}
